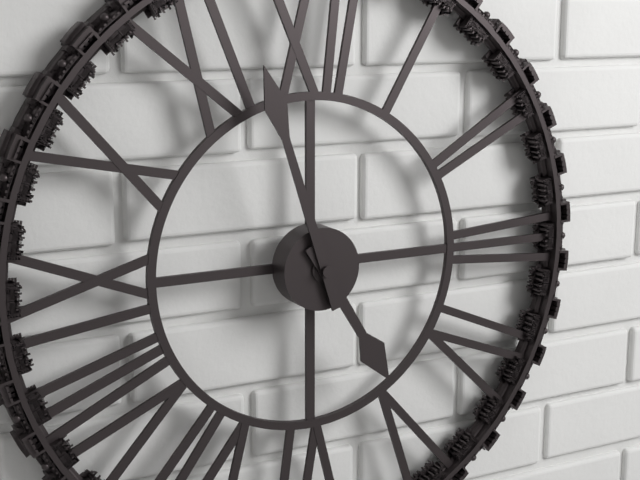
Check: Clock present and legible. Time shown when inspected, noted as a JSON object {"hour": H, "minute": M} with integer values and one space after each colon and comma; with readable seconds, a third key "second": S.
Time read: {"hour": 4, "minute": 57}
